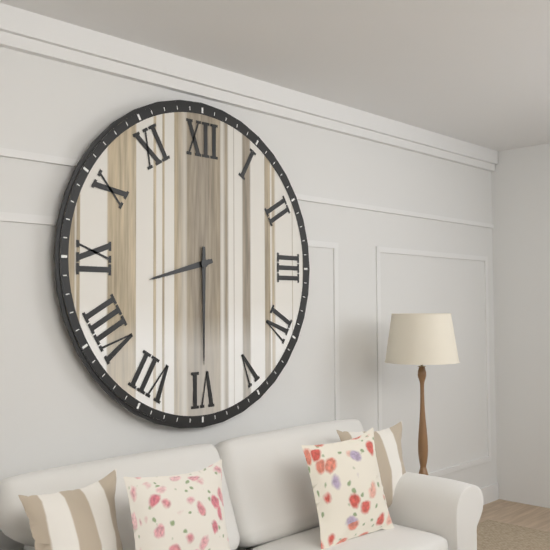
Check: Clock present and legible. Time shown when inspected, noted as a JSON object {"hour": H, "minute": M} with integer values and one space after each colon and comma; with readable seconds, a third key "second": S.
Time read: {"hour": 8, "minute": 30}
